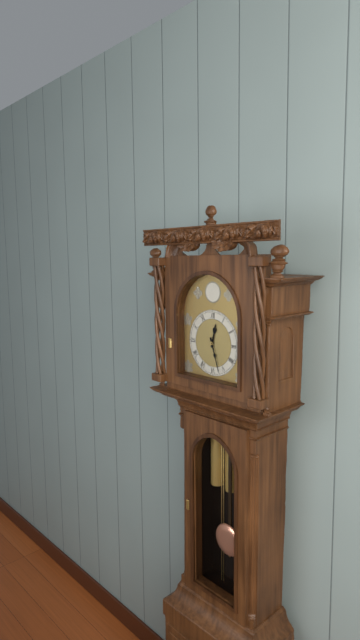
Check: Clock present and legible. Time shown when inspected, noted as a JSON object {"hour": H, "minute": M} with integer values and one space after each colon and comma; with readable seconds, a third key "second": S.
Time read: {"hour": 12, "minute": 27}
